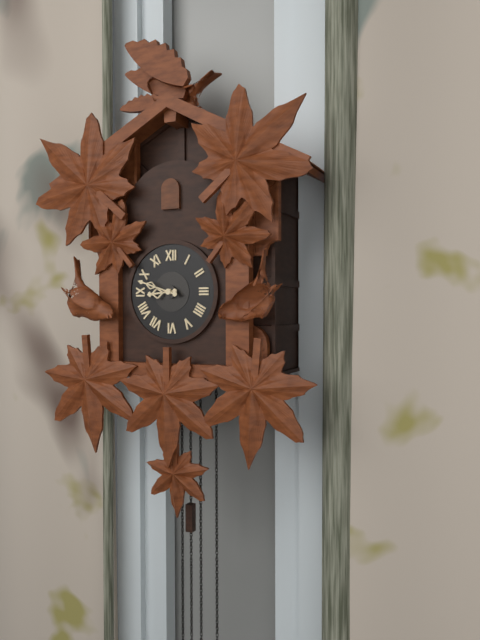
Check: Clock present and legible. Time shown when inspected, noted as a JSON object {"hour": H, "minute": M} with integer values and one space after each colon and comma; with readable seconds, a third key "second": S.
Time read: {"hour": 8, "minute": 48}
